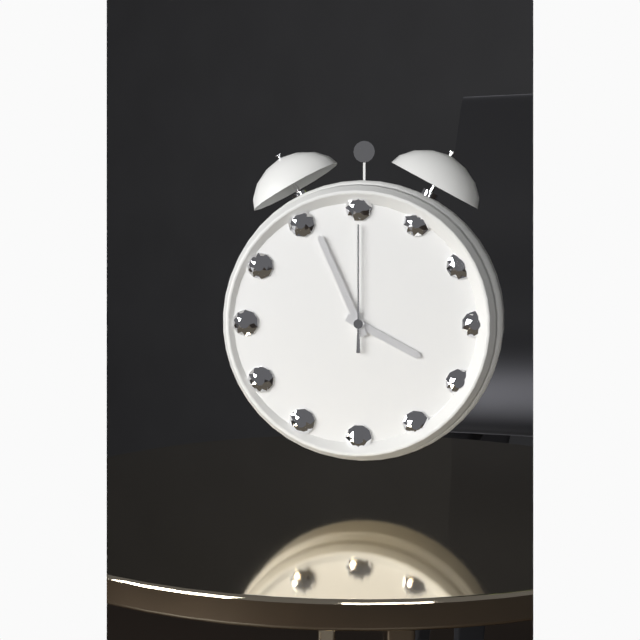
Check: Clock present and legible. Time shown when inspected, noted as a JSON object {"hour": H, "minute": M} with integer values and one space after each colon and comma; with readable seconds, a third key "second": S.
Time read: {"hour": 3, "minute": 56, "second": 0}
